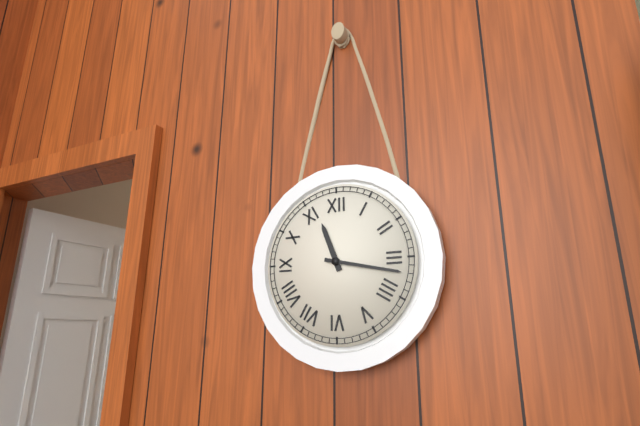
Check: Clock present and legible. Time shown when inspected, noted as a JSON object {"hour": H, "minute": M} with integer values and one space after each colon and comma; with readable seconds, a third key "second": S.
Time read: {"hour": 11, "minute": 17}
